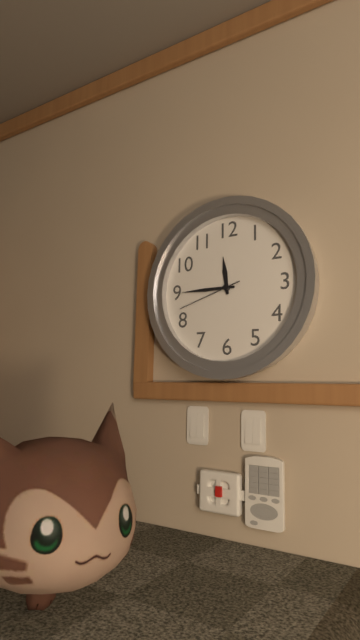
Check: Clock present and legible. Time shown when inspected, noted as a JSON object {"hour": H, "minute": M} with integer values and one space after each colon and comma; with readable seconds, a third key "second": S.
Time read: {"hour": 11, "minute": 45, "second": 42}
